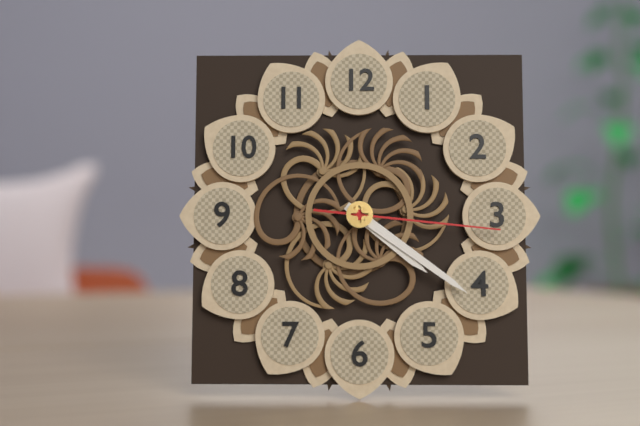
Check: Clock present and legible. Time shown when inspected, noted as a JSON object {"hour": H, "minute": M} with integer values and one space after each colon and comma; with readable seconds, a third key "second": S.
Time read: {"hour": 4, "minute": 21, "second": 16}
